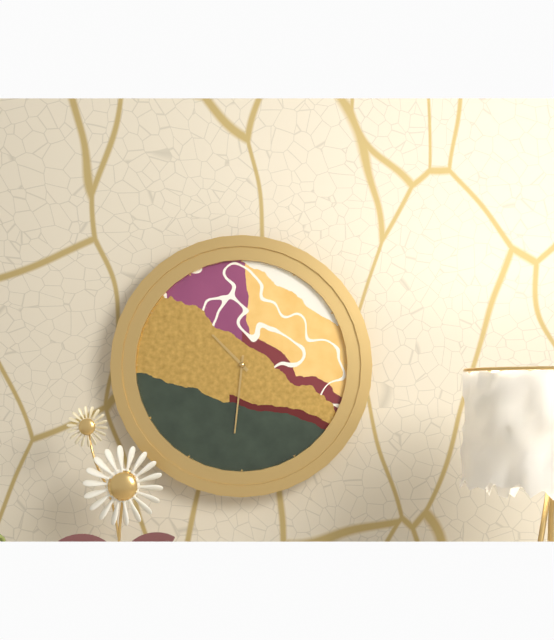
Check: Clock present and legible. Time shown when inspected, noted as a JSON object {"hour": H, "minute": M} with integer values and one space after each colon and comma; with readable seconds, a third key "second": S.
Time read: {"hour": 10, "minute": 31}
